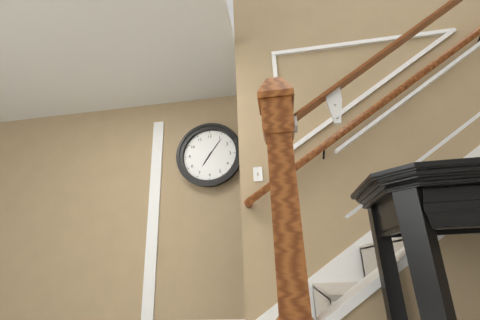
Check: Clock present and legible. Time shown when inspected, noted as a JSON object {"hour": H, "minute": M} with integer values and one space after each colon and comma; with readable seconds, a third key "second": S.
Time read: {"hour": 7, "minute": 6}
